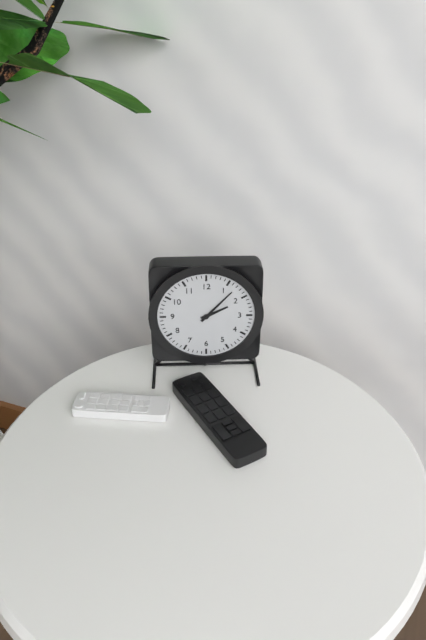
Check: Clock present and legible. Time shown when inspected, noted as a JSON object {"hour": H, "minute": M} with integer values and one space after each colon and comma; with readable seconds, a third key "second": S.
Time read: {"hour": 2, "minute": 7}
